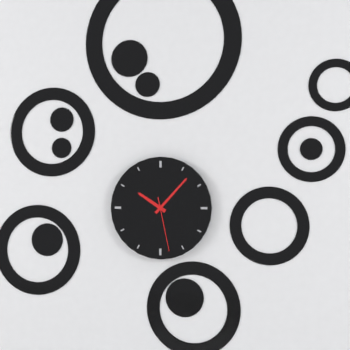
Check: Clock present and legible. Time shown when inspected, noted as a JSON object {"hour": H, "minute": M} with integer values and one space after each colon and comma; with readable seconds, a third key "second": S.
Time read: {"hour": 10, "minute": 7, "second": 28}
